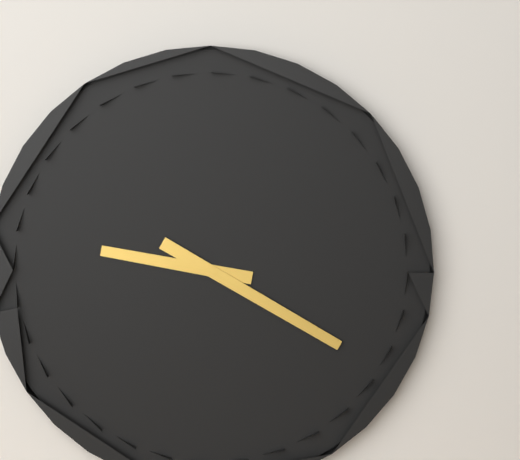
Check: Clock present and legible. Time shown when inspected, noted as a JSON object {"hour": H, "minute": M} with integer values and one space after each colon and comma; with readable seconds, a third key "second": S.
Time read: {"hour": 9, "minute": 20}
